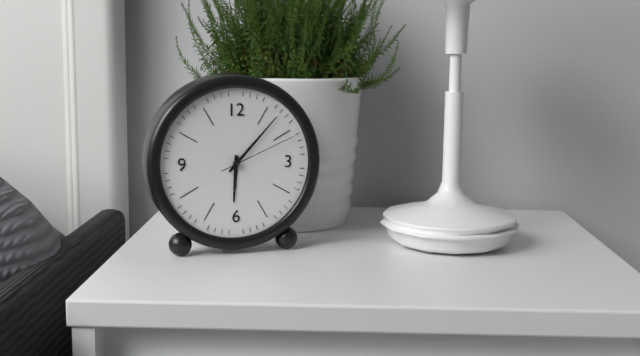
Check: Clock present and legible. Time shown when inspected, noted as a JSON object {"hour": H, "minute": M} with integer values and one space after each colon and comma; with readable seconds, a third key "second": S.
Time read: {"hour": 6, "minute": 7, "second": 11}
